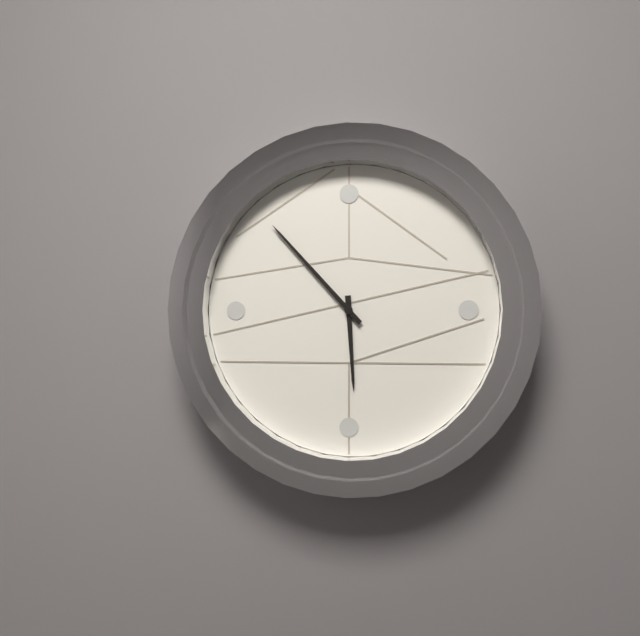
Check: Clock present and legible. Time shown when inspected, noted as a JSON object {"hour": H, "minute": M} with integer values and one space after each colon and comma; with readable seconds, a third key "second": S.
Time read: {"hour": 5, "minute": 53}
